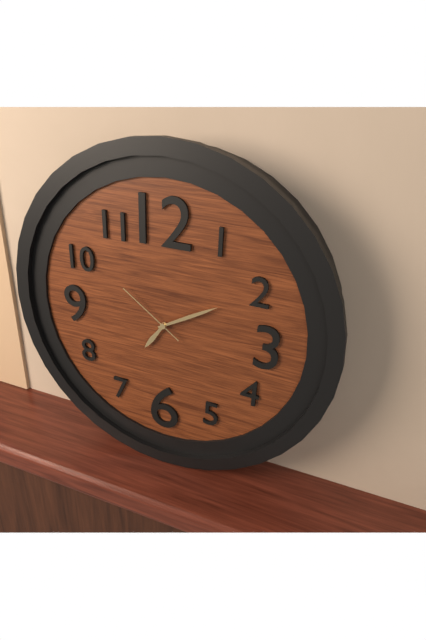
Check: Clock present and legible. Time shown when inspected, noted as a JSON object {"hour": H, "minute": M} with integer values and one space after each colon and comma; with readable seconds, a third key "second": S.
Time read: {"hour": 7, "minute": 10, "second": 51}
